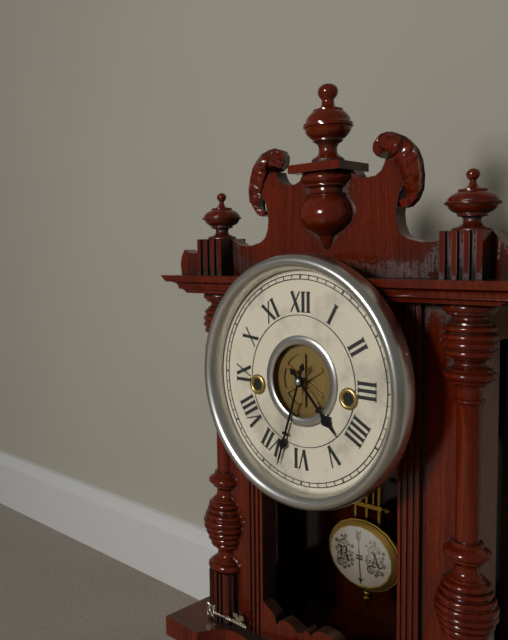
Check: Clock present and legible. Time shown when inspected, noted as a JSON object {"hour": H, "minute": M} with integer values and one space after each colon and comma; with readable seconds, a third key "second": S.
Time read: {"hour": 4, "minute": 33}
